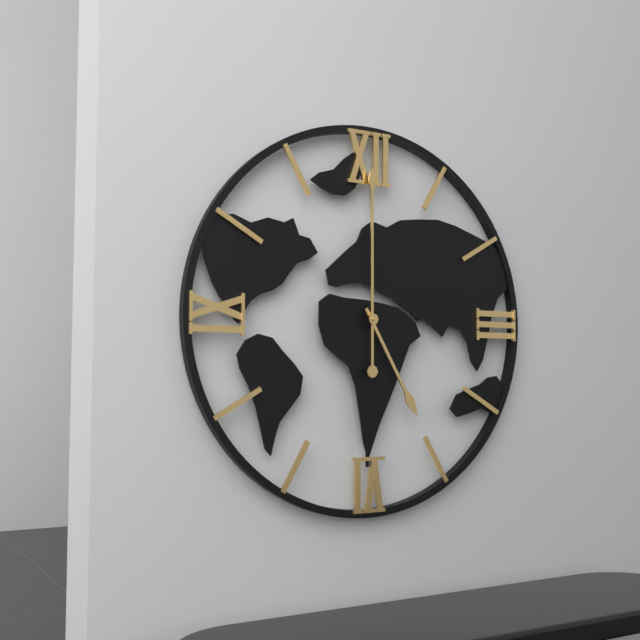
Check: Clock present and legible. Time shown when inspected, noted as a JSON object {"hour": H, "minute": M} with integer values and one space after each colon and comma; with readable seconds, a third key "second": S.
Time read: {"hour": 5, "minute": 0}
